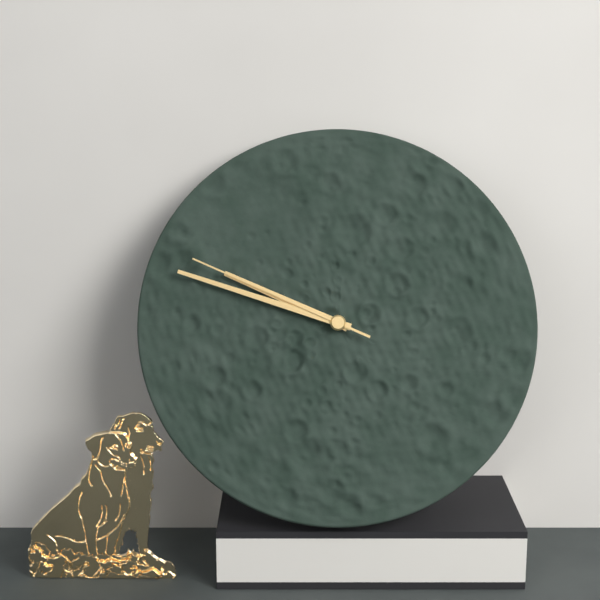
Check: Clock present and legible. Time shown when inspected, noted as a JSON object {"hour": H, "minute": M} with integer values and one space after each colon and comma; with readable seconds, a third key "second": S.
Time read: {"hour": 9, "minute": 48, "second": 49}
